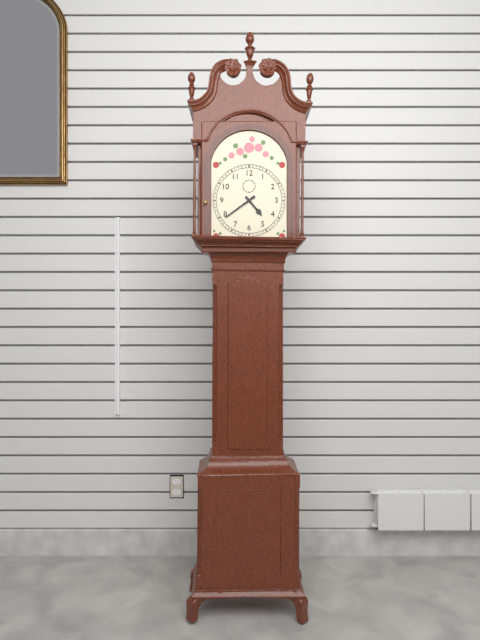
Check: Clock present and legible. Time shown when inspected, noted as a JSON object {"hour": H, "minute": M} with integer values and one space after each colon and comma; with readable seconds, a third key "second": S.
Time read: {"hour": 4, "minute": 39}
